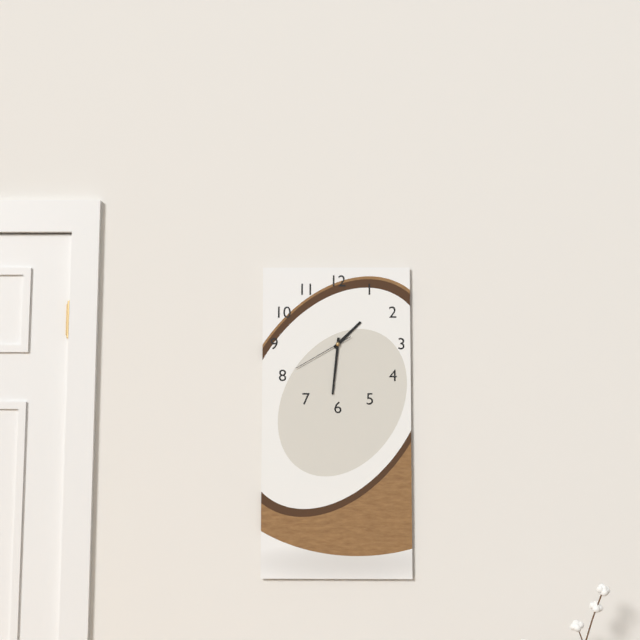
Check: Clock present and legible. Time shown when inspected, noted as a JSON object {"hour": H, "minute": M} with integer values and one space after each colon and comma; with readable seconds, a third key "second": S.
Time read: {"hour": 1, "minute": 31, "second": 40}
